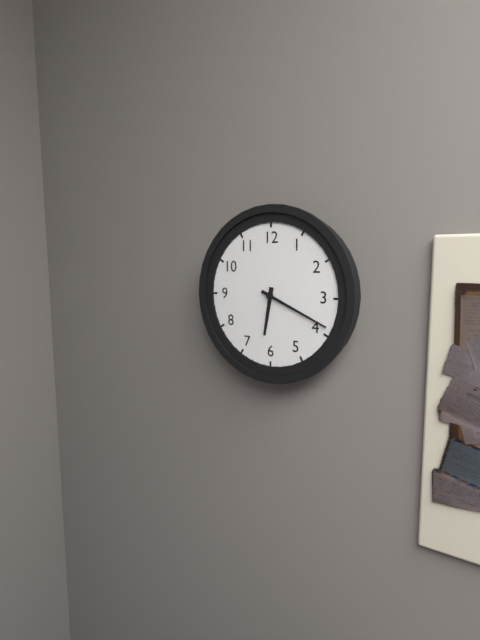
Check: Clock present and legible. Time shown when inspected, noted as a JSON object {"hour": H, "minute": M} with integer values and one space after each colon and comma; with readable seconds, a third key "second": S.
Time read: {"hour": 6, "minute": 19}
